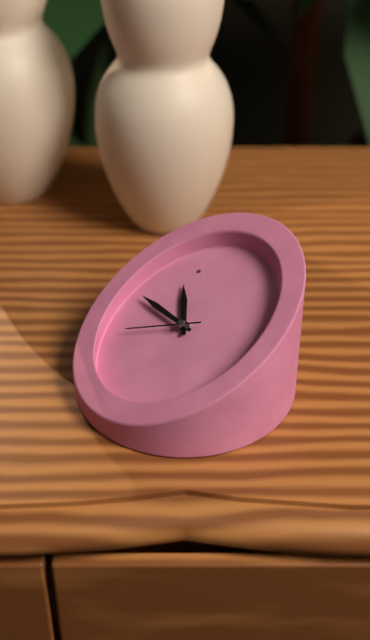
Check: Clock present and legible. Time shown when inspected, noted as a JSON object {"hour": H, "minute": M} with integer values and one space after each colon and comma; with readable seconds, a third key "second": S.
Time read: {"hour": 12, "minute": 58, "second": 52}
